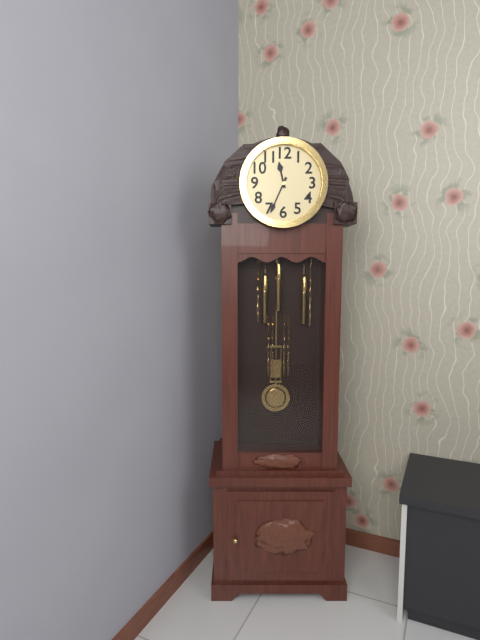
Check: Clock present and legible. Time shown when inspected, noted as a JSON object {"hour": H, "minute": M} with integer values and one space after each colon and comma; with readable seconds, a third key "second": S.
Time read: {"hour": 11, "minute": 34}
